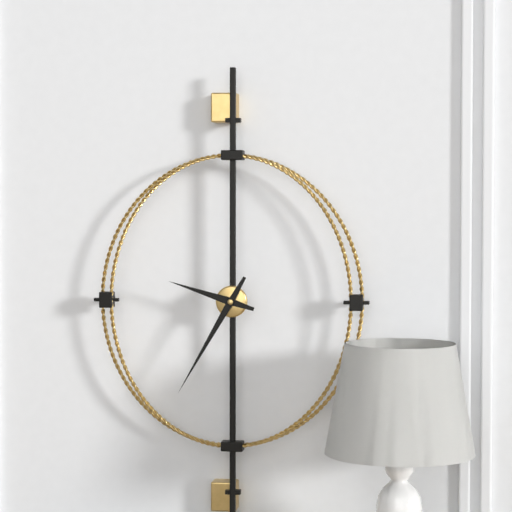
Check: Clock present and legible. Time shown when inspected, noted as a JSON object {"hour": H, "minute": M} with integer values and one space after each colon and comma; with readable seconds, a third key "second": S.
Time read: {"hour": 9, "minute": 35}
